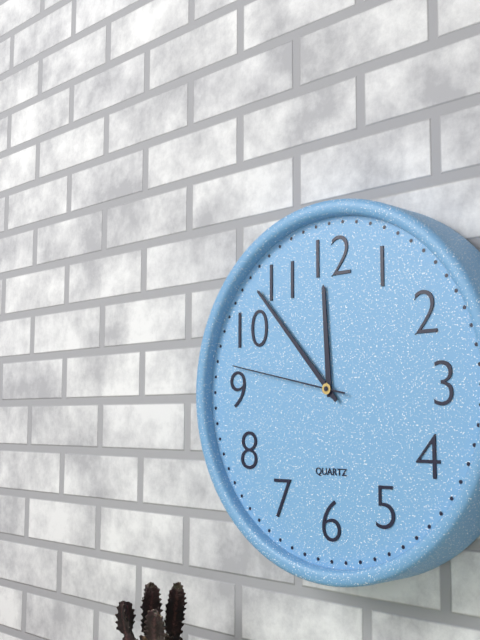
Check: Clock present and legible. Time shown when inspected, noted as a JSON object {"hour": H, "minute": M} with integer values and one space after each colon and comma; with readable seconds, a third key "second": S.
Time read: {"hour": 11, "minute": 53, "second": 47}
